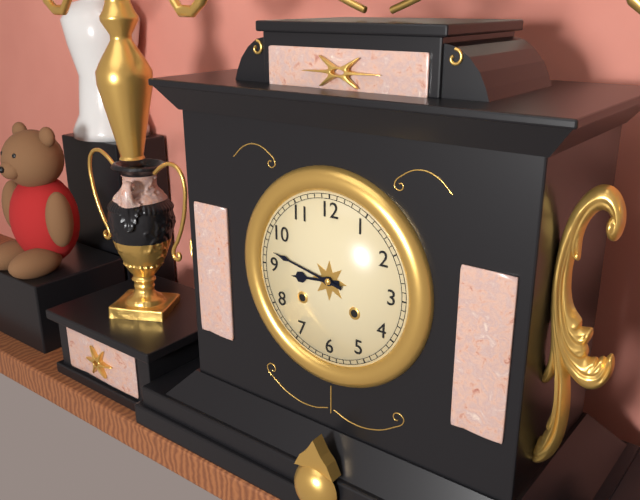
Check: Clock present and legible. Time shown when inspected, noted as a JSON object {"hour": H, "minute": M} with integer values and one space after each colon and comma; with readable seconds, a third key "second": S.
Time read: {"hour": 8, "minute": 47}
